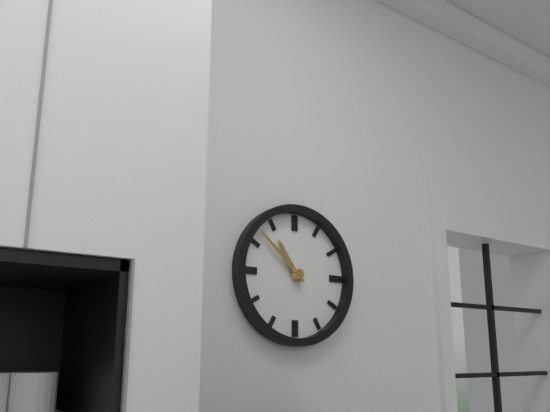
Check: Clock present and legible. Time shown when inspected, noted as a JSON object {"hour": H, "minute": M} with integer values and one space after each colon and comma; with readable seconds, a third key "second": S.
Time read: {"hour": 10, "minute": 52}
